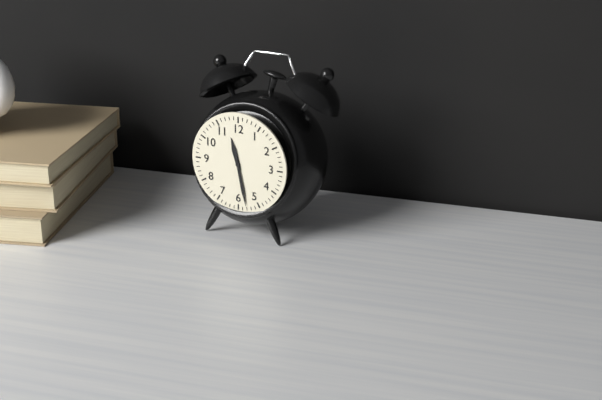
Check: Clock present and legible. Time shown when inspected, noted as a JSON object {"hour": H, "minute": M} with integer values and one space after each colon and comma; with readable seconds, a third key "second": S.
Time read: {"hour": 11, "minute": 28}
